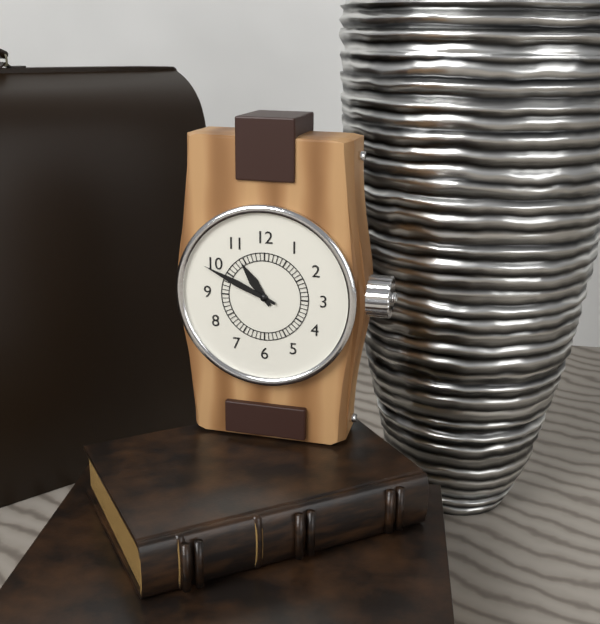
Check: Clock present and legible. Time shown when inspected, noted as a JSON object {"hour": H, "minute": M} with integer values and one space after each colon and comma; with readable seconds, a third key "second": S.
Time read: {"hour": 10, "minute": 49}
